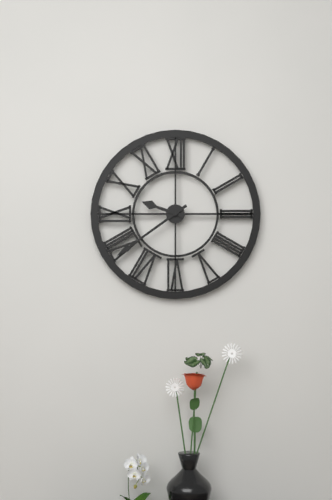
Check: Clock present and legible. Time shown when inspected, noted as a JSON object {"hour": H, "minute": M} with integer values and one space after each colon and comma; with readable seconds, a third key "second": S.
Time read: {"hour": 9, "minute": 39}
